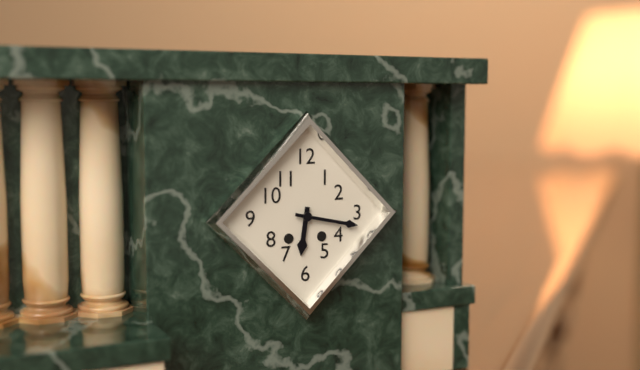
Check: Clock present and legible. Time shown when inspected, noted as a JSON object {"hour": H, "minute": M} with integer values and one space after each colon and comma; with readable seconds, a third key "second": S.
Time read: {"hour": 6, "minute": 17}
